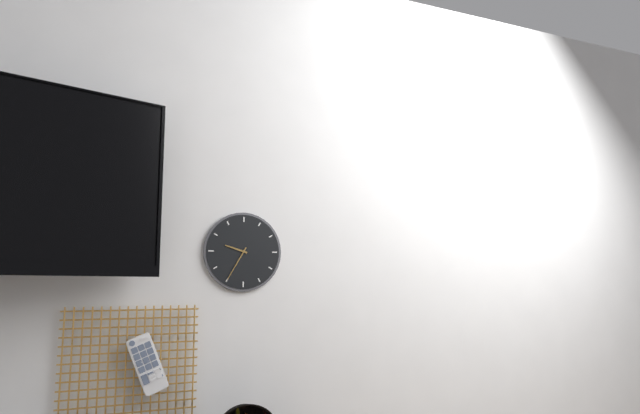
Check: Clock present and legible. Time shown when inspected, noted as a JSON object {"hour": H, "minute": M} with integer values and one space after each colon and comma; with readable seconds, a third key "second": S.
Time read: {"hour": 9, "minute": 35}
